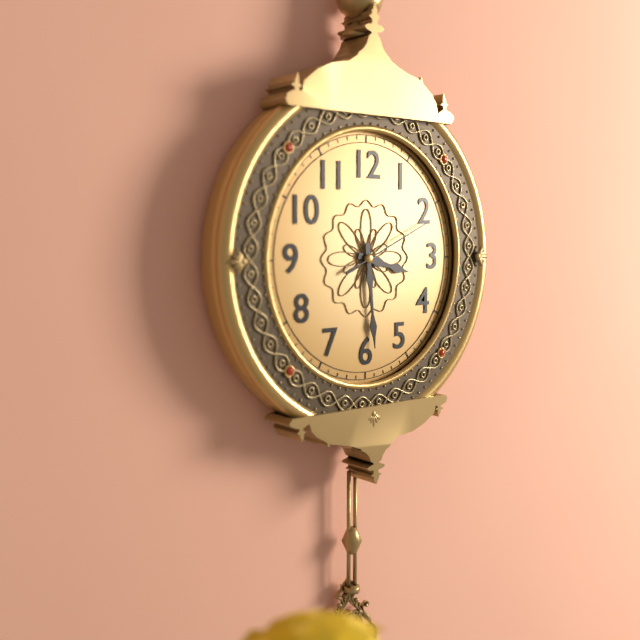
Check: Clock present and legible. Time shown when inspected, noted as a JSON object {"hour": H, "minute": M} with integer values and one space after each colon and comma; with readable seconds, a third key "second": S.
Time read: {"hour": 3, "minute": 29, "second": 11}
